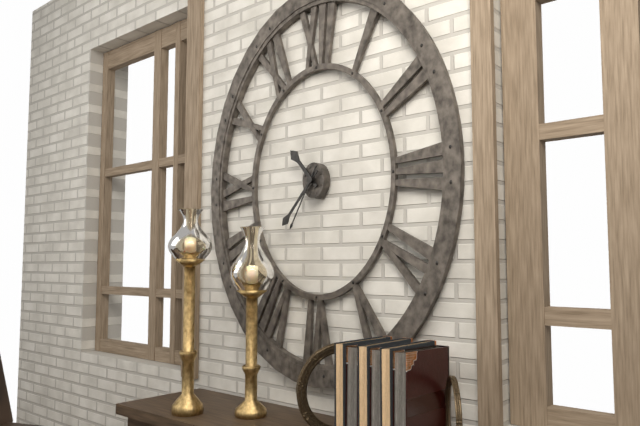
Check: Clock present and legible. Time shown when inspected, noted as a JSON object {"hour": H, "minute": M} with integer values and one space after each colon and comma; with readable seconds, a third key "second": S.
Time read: {"hour": 10, "minute": 37, "second": 35}
